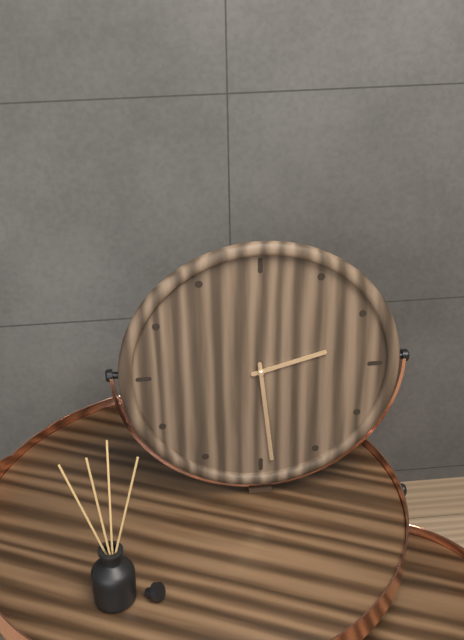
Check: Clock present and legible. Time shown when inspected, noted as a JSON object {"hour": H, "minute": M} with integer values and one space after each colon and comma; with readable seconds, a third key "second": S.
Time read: {"hour": 2, "minute": 29}
